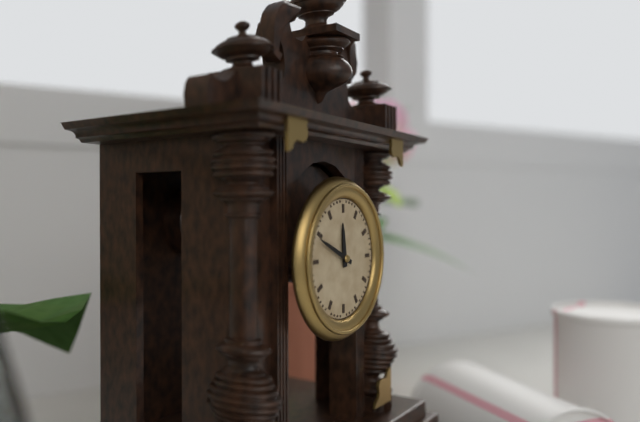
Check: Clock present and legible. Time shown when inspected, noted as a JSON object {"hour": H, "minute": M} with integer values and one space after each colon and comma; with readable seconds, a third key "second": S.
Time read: {"hour": 11, "minute": 49}
